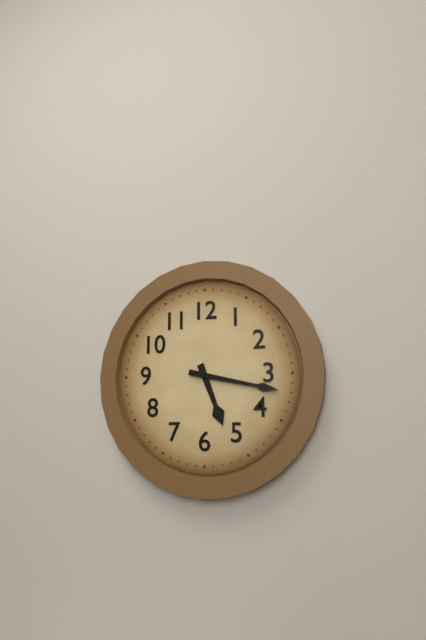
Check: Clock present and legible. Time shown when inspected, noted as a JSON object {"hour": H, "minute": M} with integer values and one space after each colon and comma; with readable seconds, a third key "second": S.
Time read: {"hour": 5, "minute": 17}
